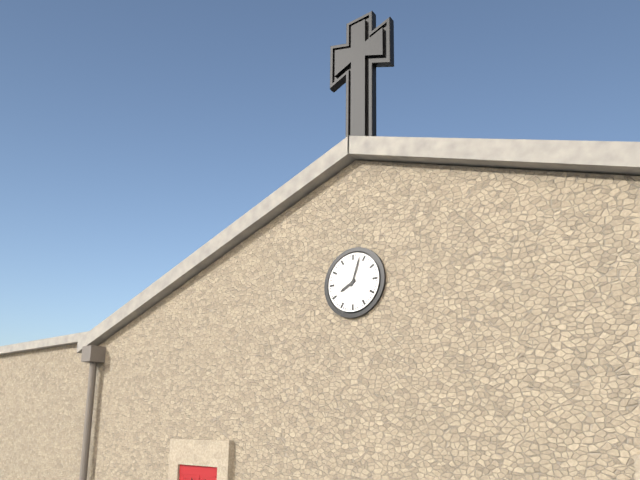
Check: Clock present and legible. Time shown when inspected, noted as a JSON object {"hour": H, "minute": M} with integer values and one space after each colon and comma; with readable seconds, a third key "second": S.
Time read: {"hour": 8, "minute": 3}
